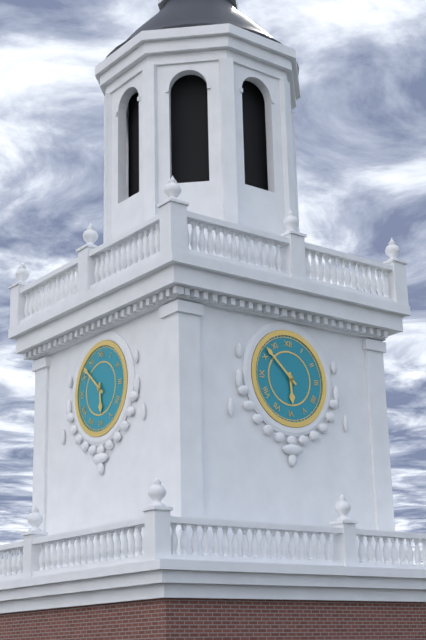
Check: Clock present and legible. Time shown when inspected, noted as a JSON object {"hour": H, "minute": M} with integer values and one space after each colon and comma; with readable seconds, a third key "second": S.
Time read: {"hour": 5, "minute": 52}
